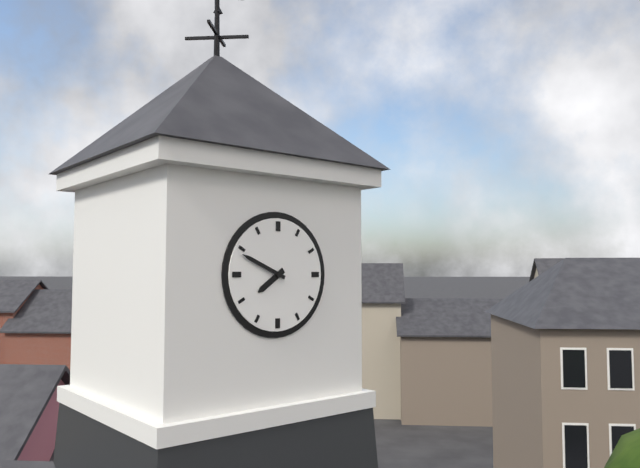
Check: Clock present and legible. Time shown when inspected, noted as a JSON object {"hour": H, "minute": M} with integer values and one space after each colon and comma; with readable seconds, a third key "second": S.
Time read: {"hour": 7, "minute": 49}
